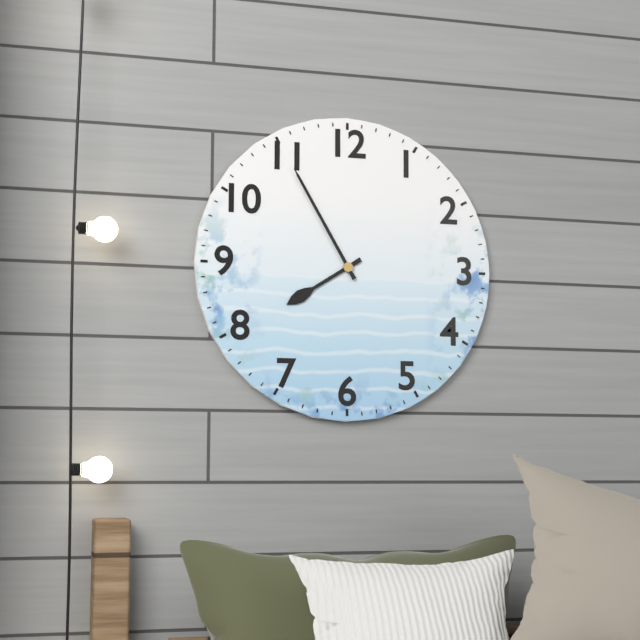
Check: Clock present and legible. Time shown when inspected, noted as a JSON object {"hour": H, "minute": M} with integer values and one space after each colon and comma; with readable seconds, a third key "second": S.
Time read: {"hour": 7, "minute": 55}
